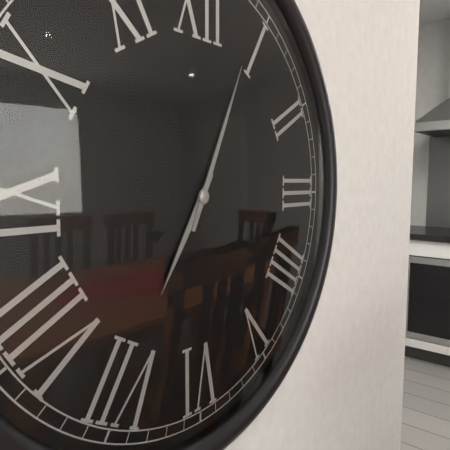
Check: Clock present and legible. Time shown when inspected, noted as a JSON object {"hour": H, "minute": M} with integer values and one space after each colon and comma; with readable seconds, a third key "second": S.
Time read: {"hour": 7, "minute": 4}
